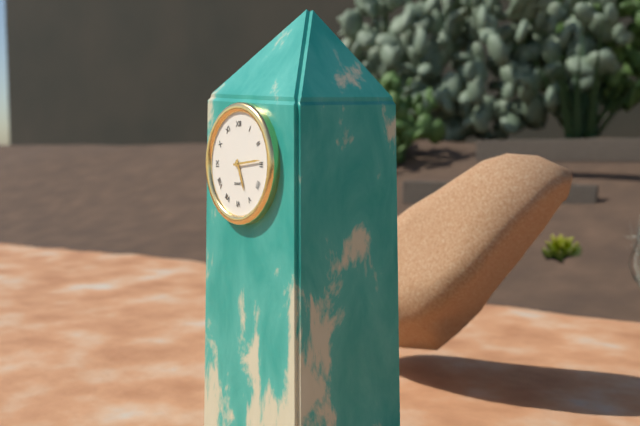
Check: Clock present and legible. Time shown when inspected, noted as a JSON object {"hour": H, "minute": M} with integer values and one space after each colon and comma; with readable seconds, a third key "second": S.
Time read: {"hour": 5, "minute": 14}
